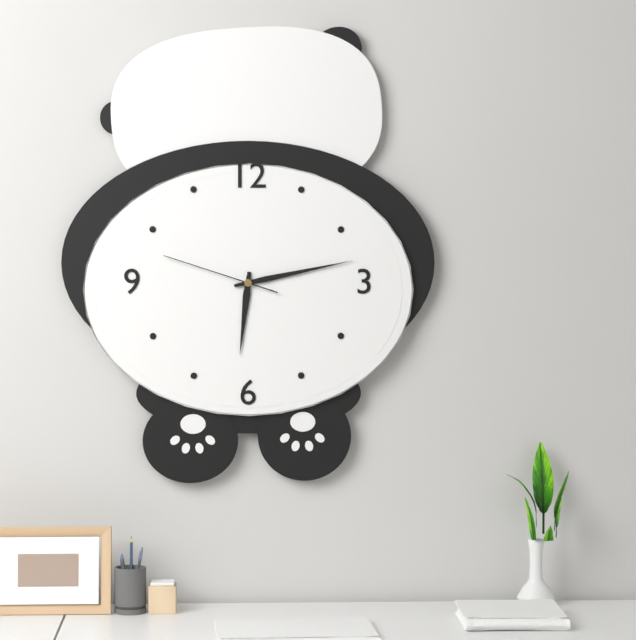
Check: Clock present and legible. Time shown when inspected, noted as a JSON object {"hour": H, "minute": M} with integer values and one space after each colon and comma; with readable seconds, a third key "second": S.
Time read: {"hour": 6, "minute": 13, "second": 48}
